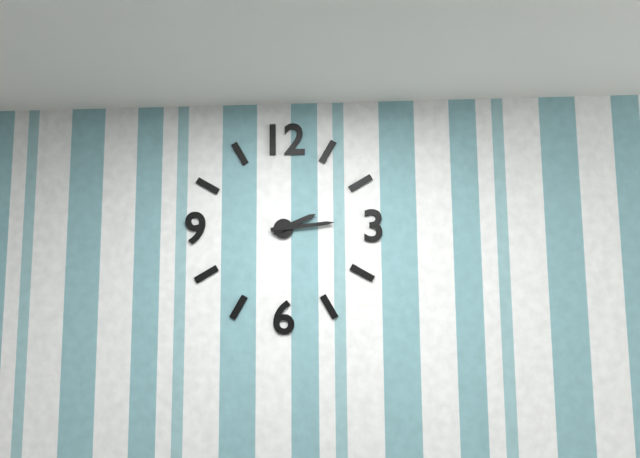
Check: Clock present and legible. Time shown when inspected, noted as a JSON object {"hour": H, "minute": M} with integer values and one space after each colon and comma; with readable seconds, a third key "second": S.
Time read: {"hour": 2, "minute": 14}
